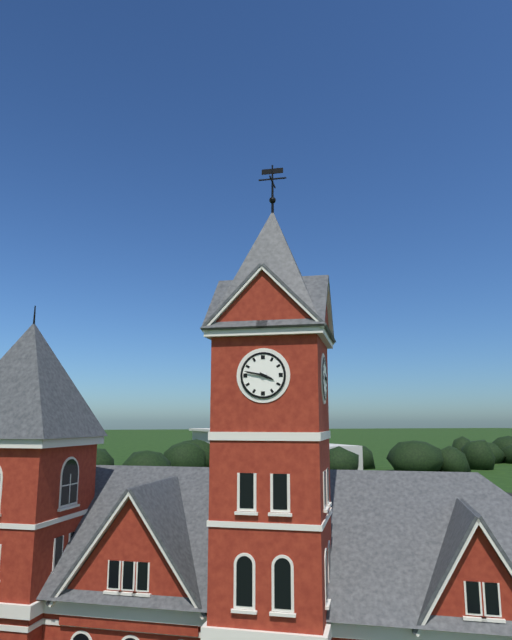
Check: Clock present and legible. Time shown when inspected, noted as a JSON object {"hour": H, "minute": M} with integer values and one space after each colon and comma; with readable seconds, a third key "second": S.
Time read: {"hour": 3, "minute": 47}
